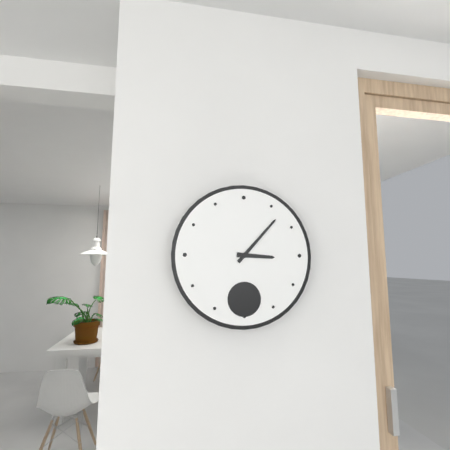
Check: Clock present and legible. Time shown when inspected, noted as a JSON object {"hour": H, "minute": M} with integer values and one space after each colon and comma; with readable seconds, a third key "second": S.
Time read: {"hour": 3, "minute": 7}
